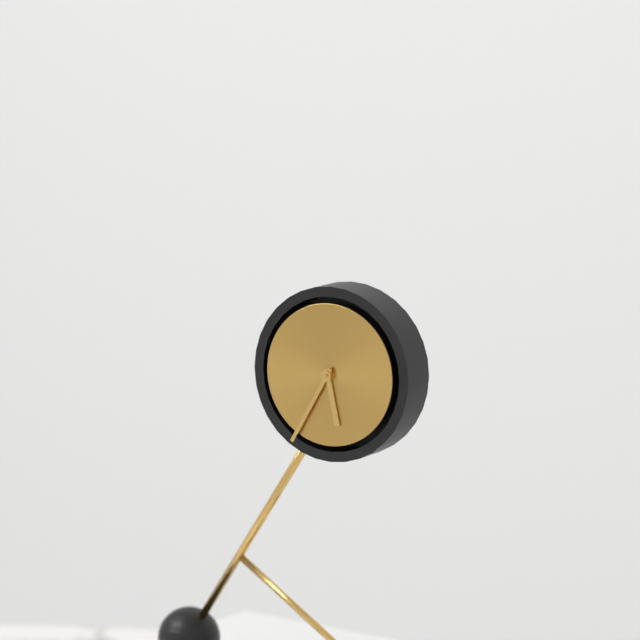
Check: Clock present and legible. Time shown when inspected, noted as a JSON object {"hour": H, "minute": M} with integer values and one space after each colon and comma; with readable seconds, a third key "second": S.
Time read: {"hour": 5, "minute": 35}
